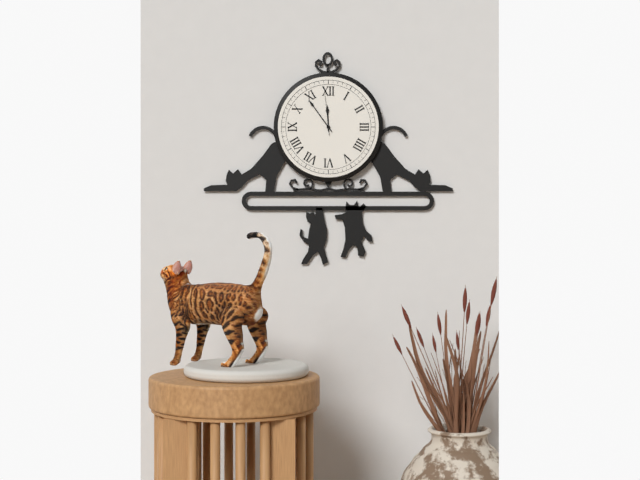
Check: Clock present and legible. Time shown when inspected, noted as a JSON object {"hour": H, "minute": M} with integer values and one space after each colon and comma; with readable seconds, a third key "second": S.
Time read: {"hour": 11, "minute": 54, "second": 59}
